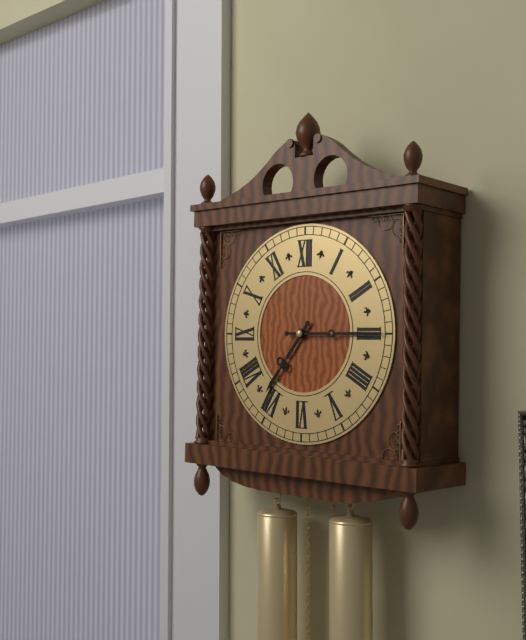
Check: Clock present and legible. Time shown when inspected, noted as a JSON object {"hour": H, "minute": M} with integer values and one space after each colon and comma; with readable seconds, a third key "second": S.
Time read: {"hour": 7, "minute": 15}
